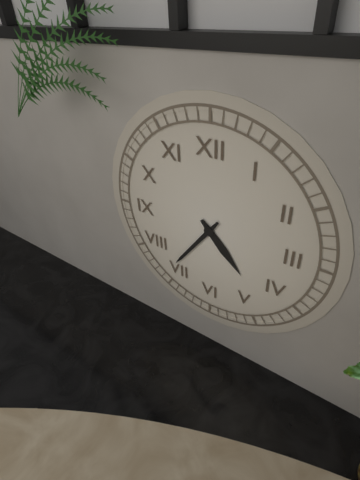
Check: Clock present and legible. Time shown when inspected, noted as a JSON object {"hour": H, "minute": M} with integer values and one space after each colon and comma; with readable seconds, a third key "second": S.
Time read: {"hour": 4, "minute": 36}
